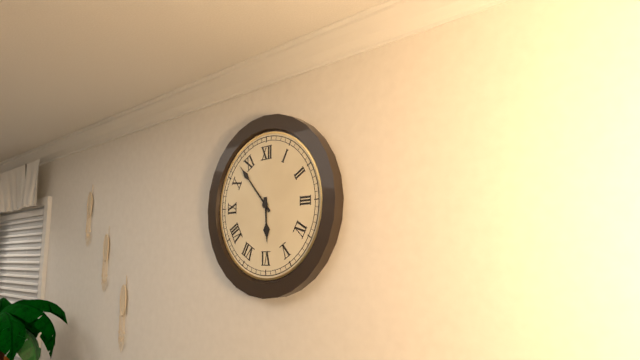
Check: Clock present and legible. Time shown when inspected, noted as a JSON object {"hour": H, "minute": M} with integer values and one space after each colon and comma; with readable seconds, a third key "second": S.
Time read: {"hour": 5, "minute": 53}
